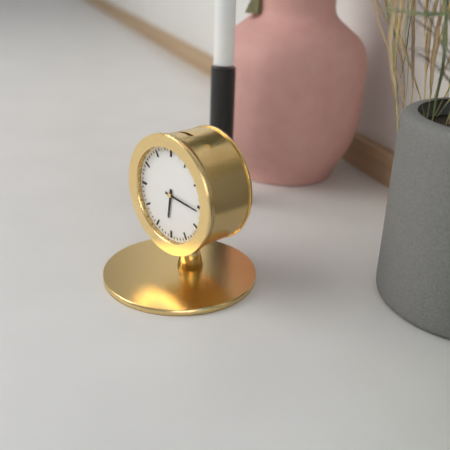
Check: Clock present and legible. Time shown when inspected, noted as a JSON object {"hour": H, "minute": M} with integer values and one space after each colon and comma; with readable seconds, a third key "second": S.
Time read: {"hour": 6, "minute": 16}
